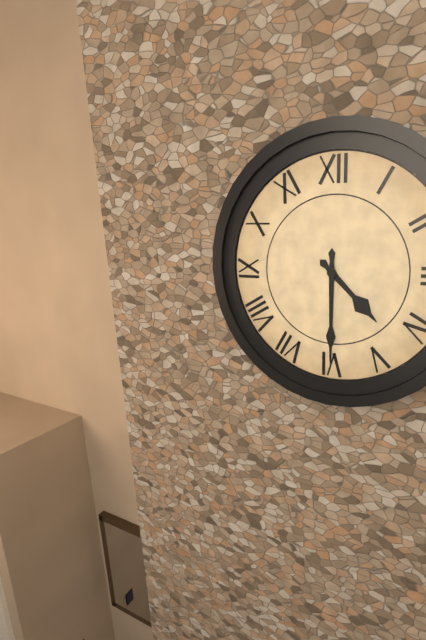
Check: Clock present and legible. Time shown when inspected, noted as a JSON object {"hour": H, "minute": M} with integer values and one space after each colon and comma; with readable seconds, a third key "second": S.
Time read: {"hour": 4, "minute": 30}
